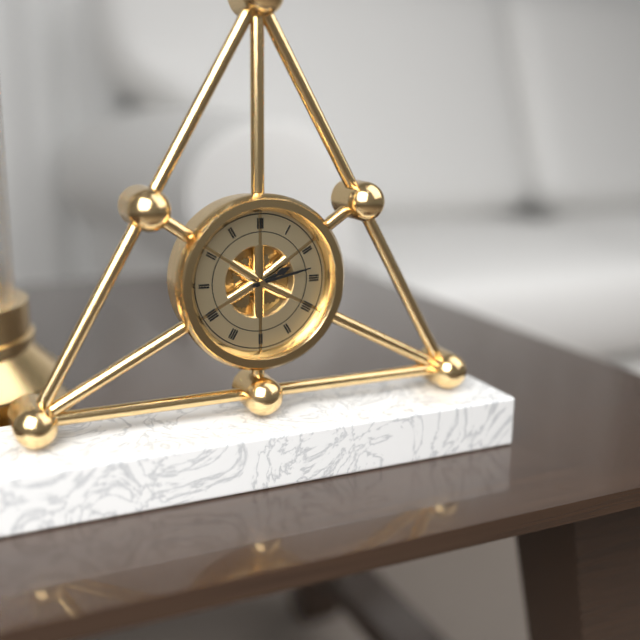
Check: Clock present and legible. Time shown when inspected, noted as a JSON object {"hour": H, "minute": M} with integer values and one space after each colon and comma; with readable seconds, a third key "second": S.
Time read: {"hour": 2, "minute": 13}
